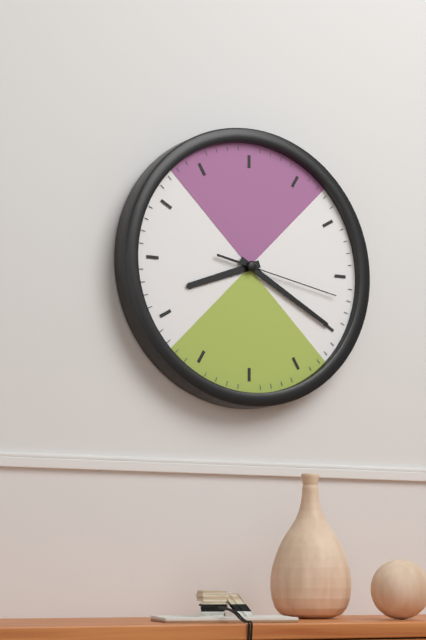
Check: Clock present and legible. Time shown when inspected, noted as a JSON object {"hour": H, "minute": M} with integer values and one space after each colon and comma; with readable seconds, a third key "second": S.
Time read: {"hour": 8, "minute": 20, "second": 17}
